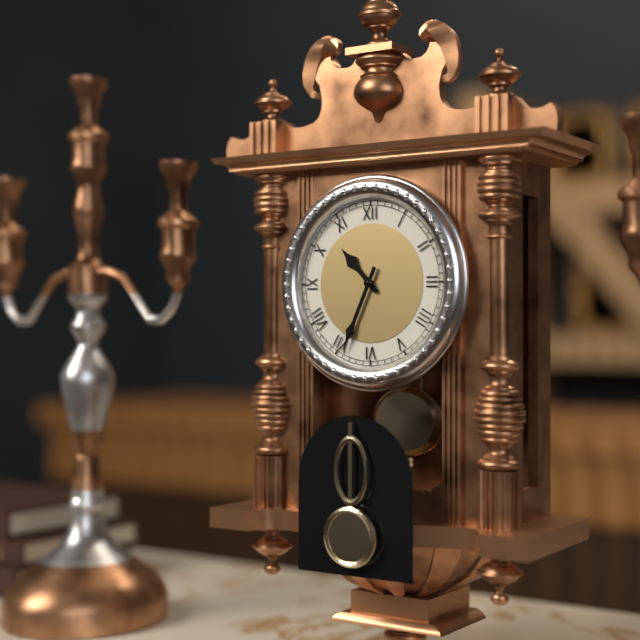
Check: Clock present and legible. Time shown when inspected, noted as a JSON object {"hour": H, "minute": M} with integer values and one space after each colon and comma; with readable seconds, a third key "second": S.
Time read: {"hour": 10, "minute": 34}
